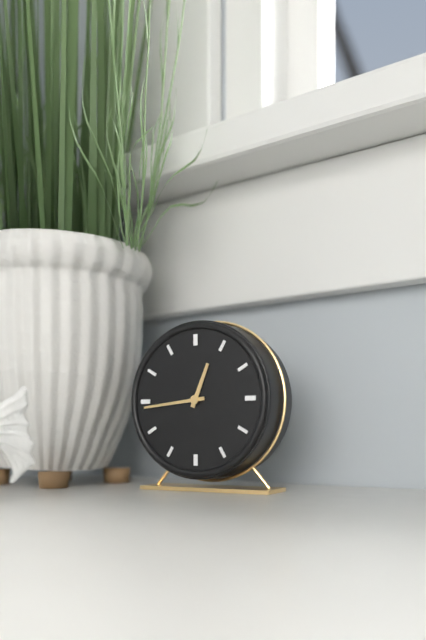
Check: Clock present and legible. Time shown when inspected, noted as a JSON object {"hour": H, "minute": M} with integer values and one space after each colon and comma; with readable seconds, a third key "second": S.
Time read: {"hour": 12, "minute": 44}
